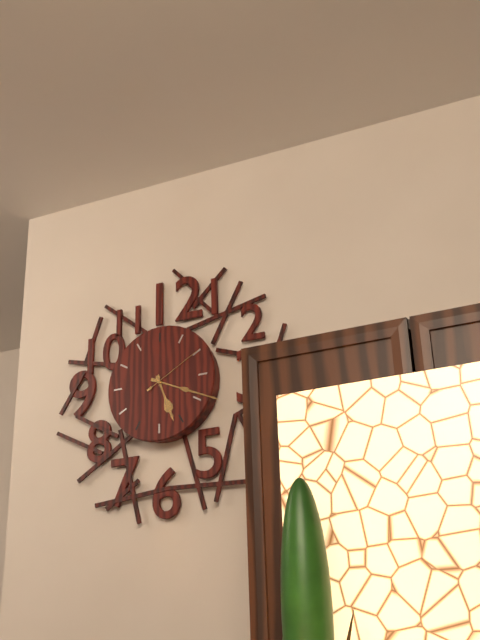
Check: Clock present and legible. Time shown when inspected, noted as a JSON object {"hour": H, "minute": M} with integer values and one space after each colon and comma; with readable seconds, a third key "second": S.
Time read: {"hour": 5, "minute": 19, "second": 10}
